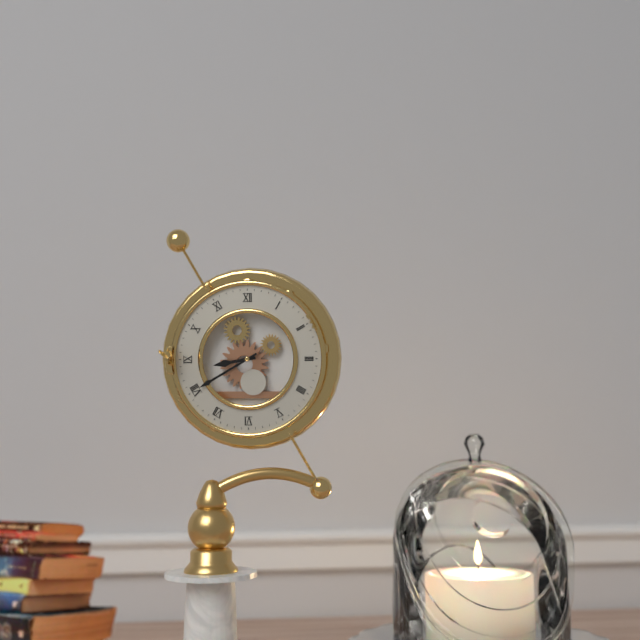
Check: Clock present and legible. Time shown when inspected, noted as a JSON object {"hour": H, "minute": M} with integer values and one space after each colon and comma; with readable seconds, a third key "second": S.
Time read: {"hour": 8, "minute": 40}
